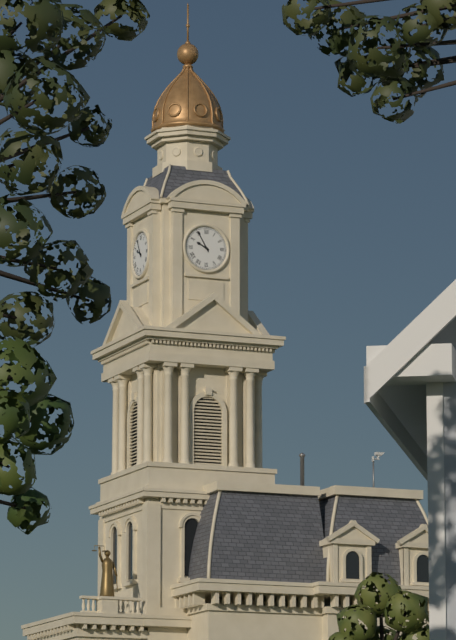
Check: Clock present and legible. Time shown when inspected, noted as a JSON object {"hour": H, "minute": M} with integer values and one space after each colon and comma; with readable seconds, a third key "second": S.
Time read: {"hour": 9, "minute": 55}
